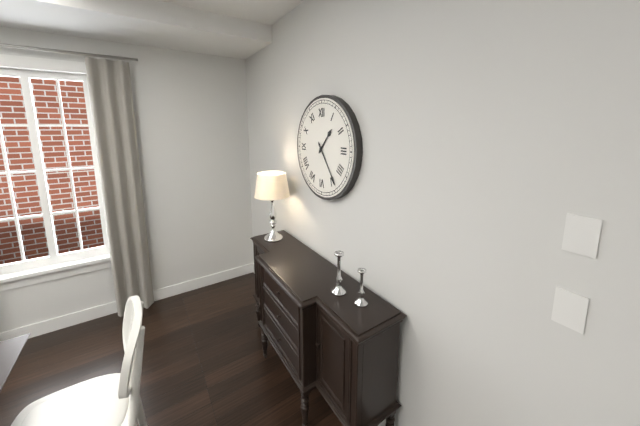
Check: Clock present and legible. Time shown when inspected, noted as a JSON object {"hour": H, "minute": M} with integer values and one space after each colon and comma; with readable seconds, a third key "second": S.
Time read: {"hour": 1, "minute": 24}
